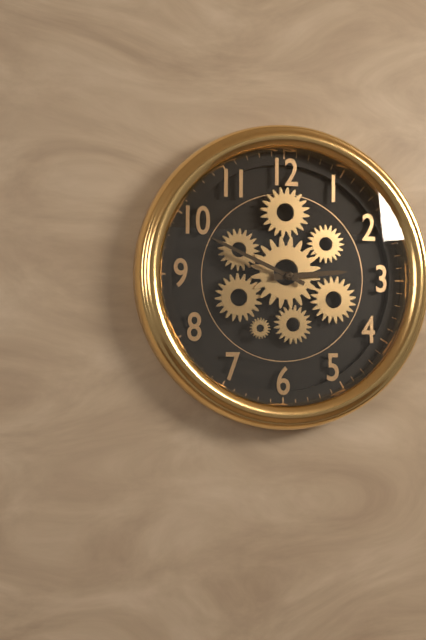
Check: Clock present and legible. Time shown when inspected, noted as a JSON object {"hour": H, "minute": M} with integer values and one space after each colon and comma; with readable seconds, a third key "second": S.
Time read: {"hour": 2, "minute": 49}
